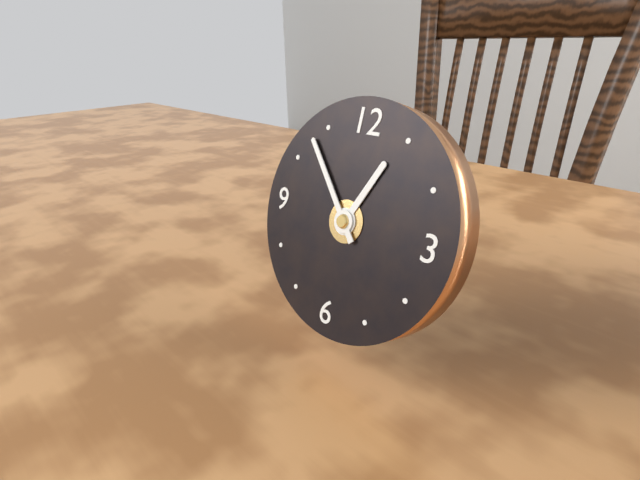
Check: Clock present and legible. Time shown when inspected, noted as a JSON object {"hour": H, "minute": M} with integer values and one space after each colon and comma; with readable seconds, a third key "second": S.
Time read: {"hour": 12, "minute": 53}
